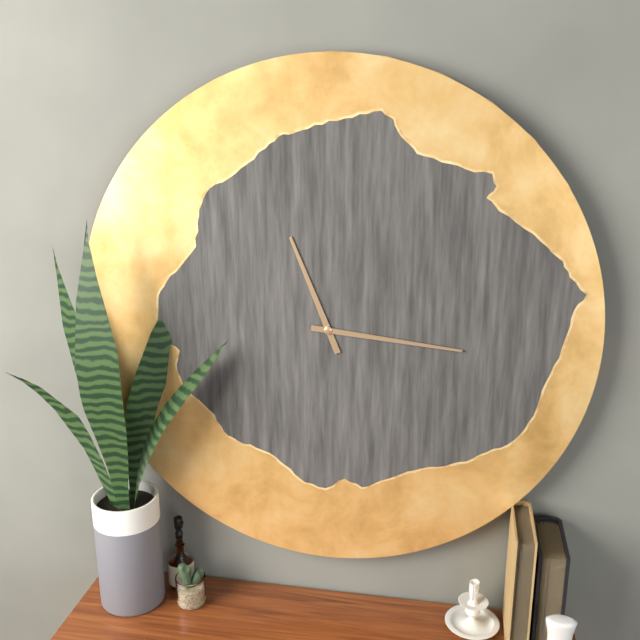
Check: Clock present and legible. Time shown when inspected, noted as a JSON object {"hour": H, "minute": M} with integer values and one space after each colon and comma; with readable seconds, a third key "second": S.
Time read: {"hour": 11, "minute": 16}
